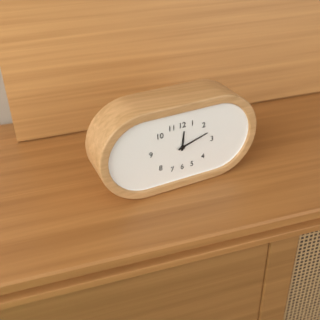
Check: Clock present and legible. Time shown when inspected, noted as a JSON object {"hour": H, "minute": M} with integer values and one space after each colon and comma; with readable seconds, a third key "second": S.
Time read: {"hour": 12, "minute": 12}
